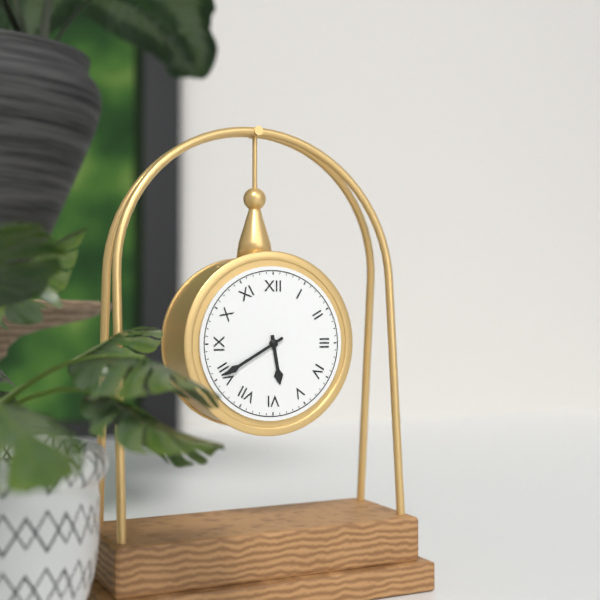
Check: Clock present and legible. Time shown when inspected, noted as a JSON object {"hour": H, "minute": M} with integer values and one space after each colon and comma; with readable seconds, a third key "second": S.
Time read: {"hour": 5, "minute": 40}
